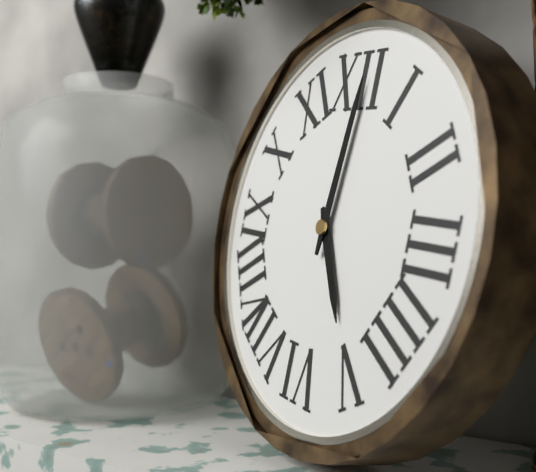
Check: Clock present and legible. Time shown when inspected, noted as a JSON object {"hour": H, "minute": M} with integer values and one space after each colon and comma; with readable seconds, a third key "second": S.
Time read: {"hour": 5, "minute": 1}
